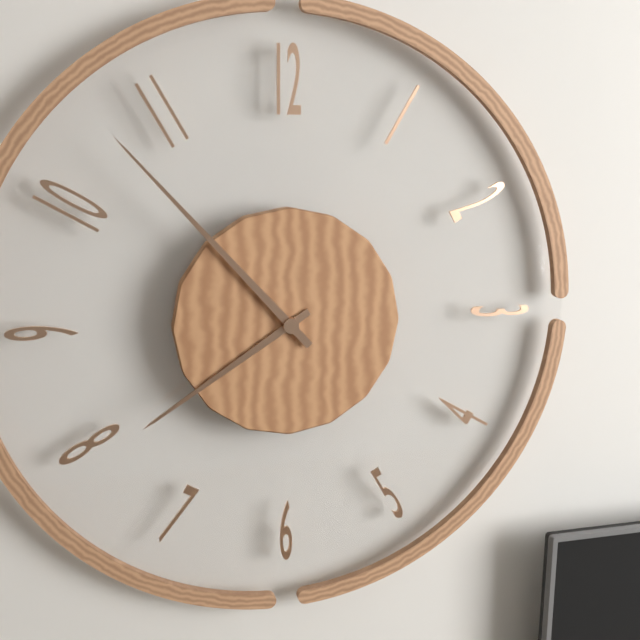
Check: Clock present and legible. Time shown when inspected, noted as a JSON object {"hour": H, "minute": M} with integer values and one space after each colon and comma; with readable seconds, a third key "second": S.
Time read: {"hour": 7, "minute": 53}
